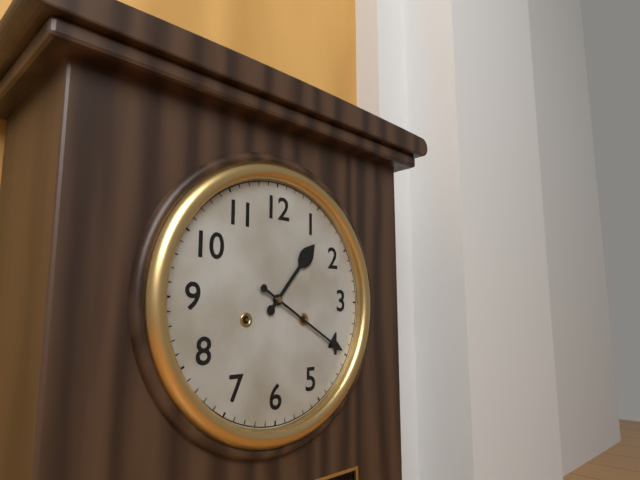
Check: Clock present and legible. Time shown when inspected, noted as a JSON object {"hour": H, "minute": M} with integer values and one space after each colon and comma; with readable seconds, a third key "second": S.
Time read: {"hour": 1, "minute": 20}
